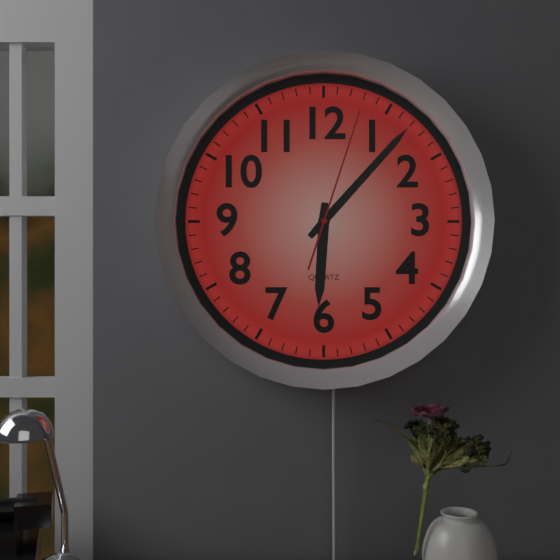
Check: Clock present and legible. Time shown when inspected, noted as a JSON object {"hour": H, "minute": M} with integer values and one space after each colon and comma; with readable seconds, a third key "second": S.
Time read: {"hour": 6, "minute": 7, "second": 3}
